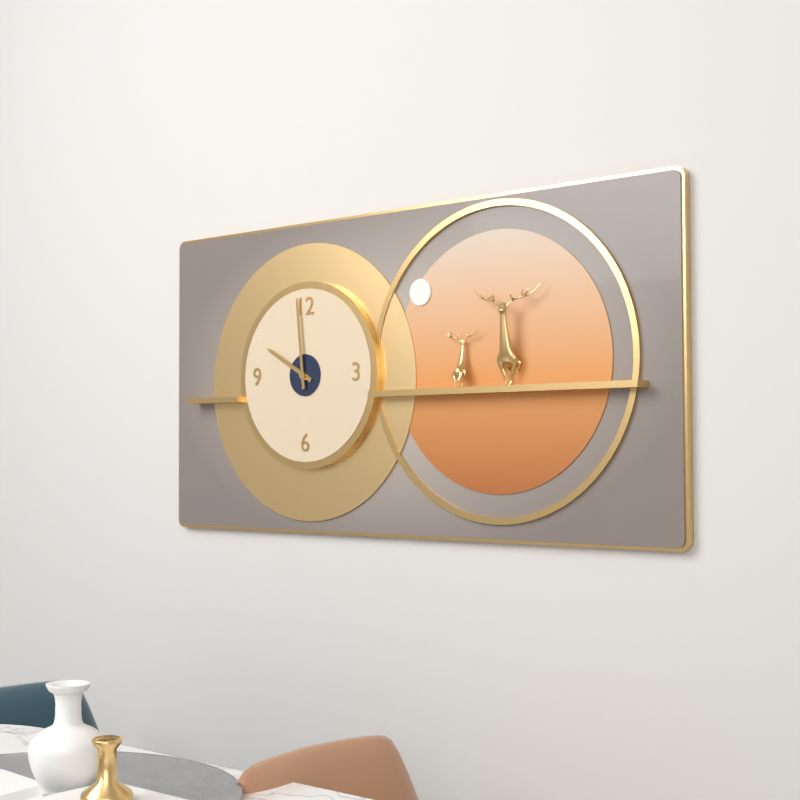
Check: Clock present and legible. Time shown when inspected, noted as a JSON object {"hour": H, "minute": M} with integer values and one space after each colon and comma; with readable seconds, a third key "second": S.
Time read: {"hour": 9, "minute": 59}
